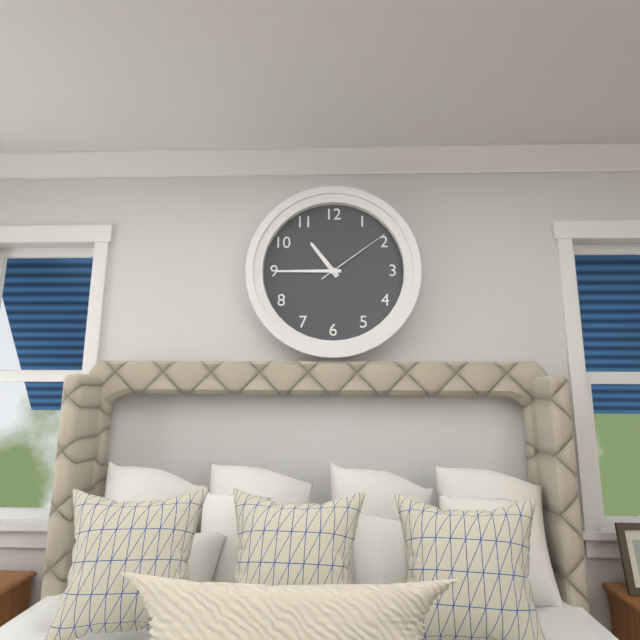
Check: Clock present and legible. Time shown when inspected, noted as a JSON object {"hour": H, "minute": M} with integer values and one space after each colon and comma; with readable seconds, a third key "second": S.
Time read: {"hour": 10, "minute": 45, "second": 9}
